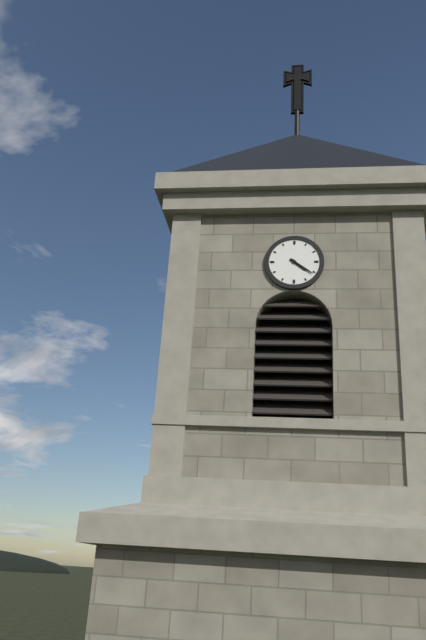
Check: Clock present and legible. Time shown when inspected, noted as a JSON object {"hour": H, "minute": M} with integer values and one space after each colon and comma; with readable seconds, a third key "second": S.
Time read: {"hour": 4, "minute": 21}
